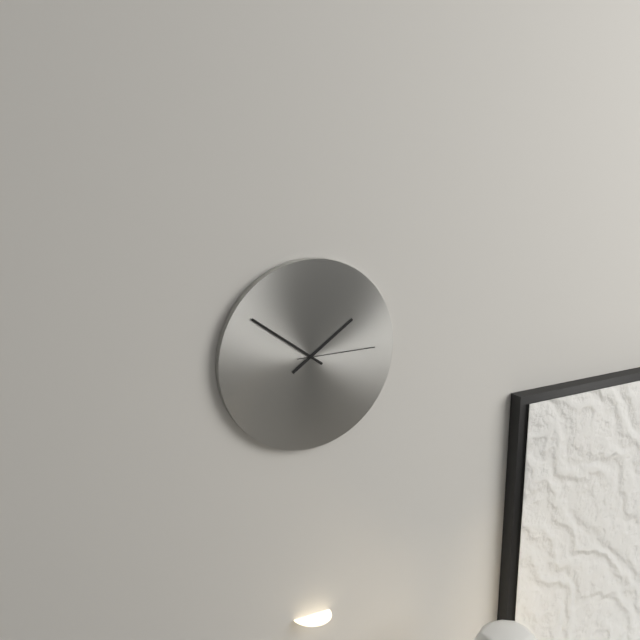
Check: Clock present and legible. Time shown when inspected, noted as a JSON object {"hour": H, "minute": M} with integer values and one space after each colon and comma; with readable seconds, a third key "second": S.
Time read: {"hour": 1, "minute": 51, "second": 15}
